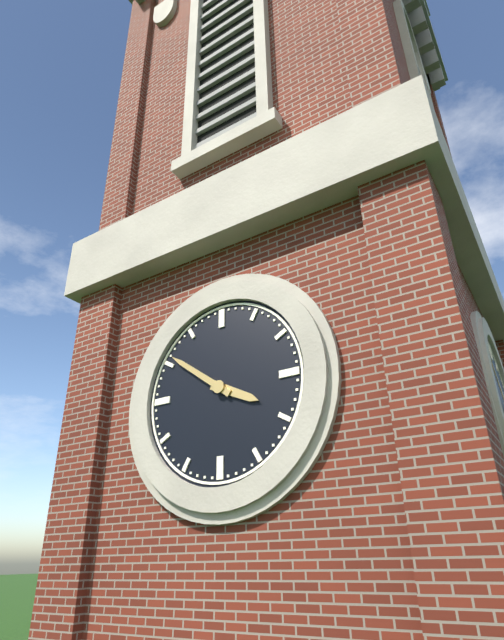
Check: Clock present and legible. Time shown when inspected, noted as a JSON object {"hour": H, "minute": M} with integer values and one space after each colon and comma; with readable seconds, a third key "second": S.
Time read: {"hour": 3, "minute": 51}
